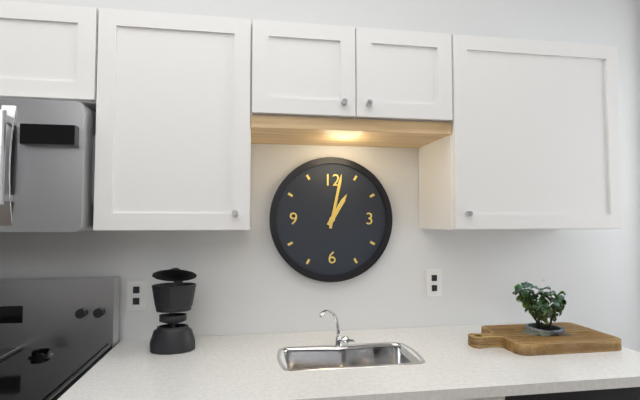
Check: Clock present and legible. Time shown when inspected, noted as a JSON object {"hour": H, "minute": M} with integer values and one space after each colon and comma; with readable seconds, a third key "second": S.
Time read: {"hour": 1, "minute": 2}
